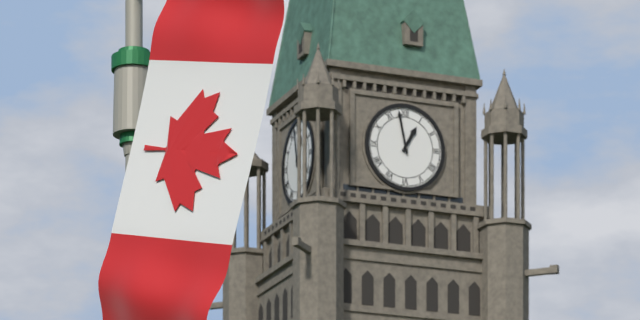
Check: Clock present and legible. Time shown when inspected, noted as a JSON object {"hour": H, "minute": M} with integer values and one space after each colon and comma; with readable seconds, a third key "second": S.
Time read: {"hour": 12, "minute": 58}
